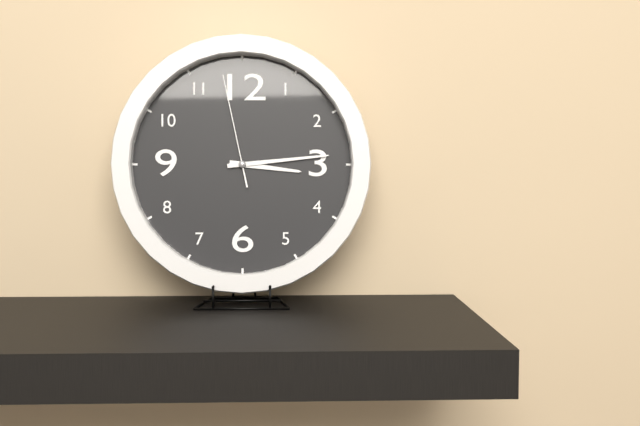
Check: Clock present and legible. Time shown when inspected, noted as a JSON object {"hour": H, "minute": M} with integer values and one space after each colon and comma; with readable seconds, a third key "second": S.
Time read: {"hour": 3, "minute": 14, "second": 58}
